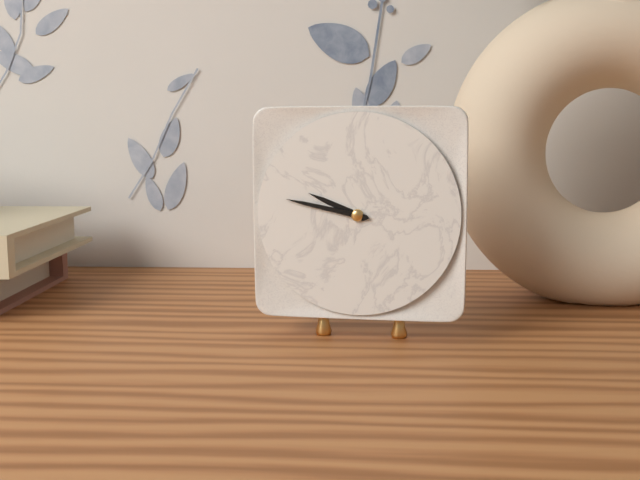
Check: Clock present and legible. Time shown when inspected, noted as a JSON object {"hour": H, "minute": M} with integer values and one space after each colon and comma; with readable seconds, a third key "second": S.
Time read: {"hour": 9, "minute": 47}
